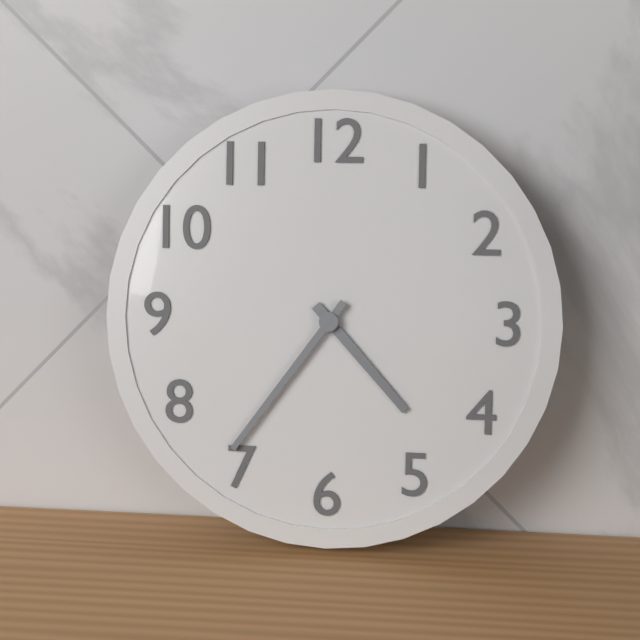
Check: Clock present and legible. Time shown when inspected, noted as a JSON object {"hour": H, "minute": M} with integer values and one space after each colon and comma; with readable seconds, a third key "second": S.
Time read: {"hour": 4, "minute": 36}
